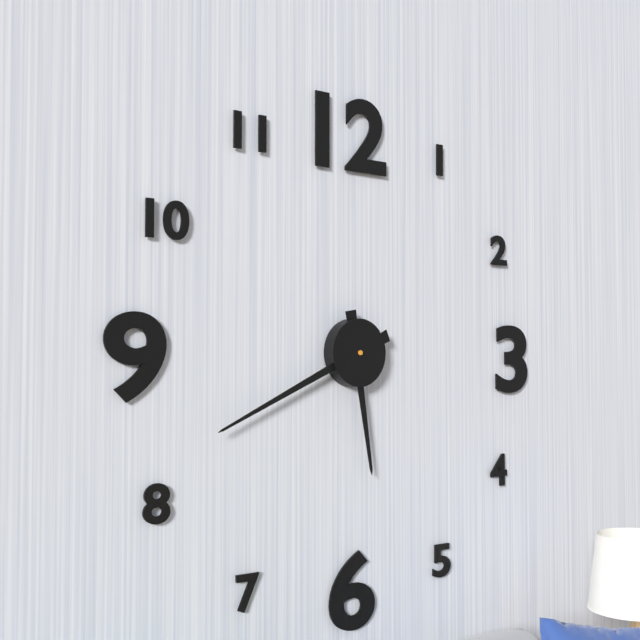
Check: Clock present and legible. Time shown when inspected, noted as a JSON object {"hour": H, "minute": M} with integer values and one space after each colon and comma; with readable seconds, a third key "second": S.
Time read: {"hour": 5, "minute": 41}
